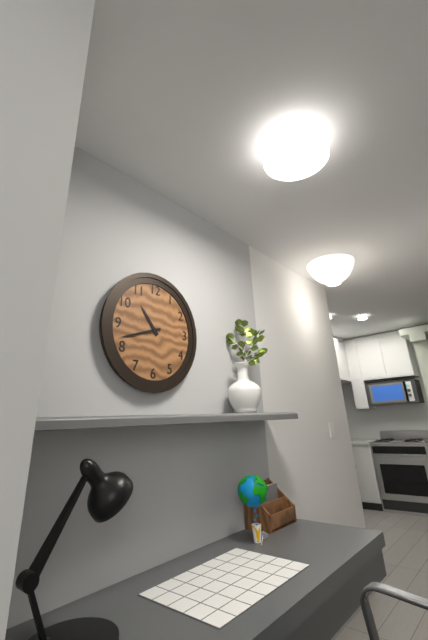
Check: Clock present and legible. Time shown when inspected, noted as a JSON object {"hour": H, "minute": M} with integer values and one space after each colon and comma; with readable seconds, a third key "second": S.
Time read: {"hour": 10, "minute": 42}
